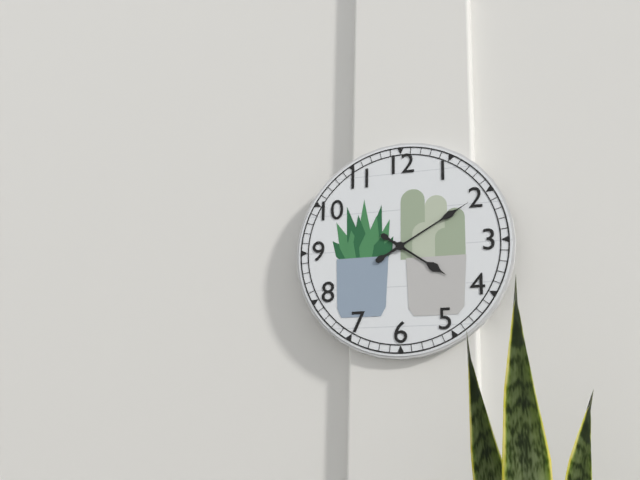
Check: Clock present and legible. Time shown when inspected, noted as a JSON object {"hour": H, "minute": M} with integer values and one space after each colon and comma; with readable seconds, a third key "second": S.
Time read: {"hour": 4, "minute": 10}
